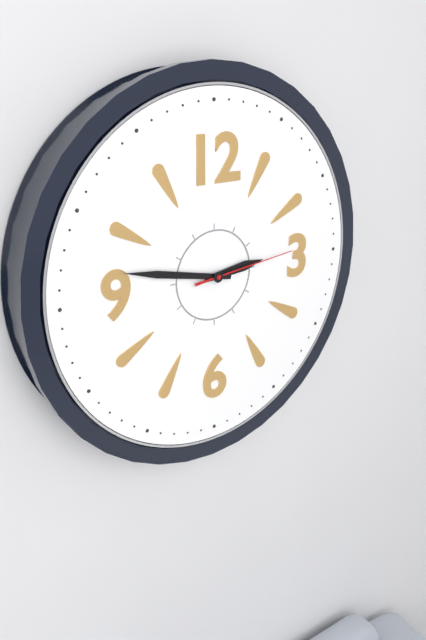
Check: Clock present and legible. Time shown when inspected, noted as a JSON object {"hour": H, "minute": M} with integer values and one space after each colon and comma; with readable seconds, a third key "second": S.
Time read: {"hour": 2, "minute": 47, "second": 14}
